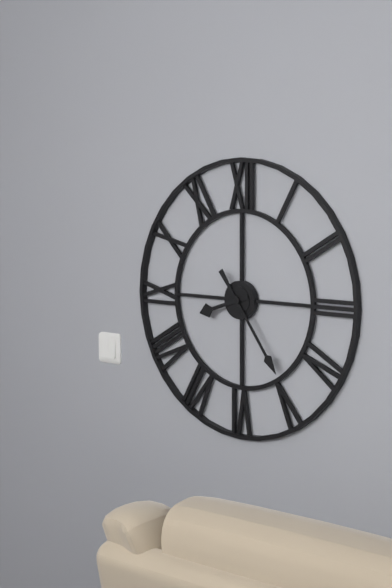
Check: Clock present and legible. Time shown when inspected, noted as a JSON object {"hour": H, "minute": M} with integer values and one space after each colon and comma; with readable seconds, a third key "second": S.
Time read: {"hour": 8, "minute": 24}
